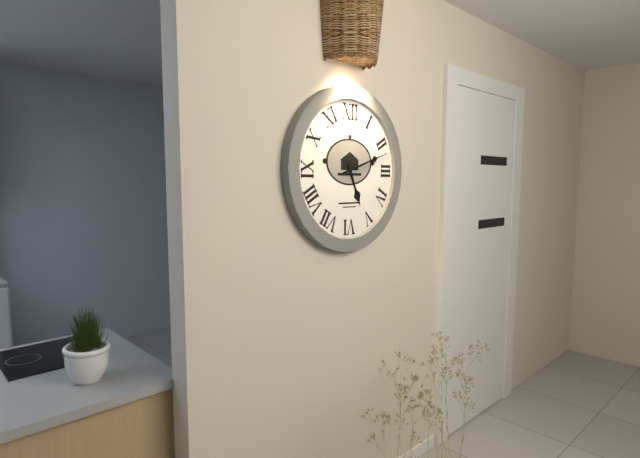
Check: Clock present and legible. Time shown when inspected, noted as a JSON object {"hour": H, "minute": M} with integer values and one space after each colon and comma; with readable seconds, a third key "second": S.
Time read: {"hour": 5, "minute": 12}
